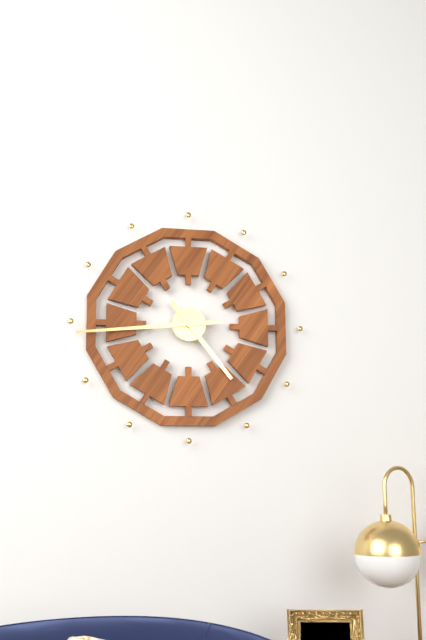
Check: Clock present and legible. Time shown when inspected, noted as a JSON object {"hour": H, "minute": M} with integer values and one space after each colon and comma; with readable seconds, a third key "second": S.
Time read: {"hour": 4, "minute": 44}
